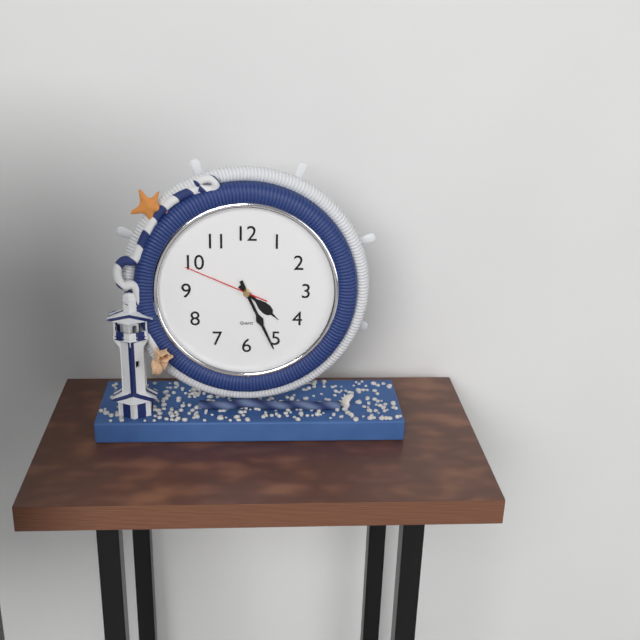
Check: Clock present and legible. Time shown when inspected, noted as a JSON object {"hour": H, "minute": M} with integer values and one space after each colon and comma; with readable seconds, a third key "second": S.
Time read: {"hour": 4, "minute": 26, "second": 49}
